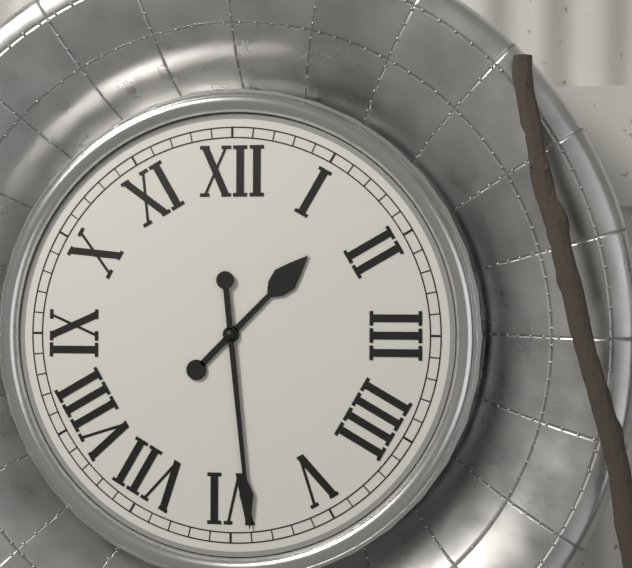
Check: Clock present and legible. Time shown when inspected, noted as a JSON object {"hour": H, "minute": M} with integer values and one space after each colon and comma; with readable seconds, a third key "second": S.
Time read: {"hour": 1, "minute": 29}
